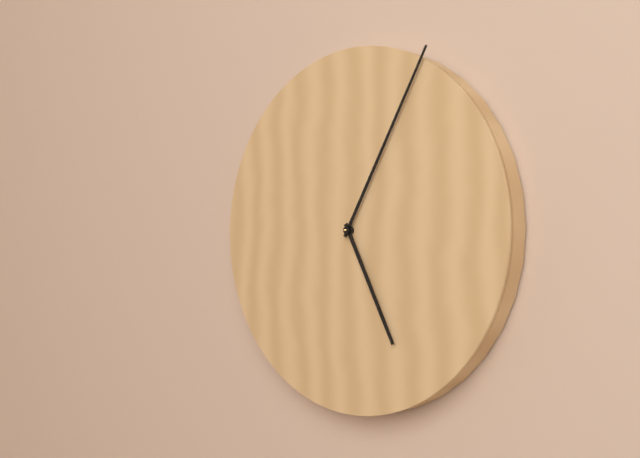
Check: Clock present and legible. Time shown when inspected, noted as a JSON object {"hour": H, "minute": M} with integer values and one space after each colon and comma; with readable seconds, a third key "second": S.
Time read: {"hour": 5, "minute": 5}
